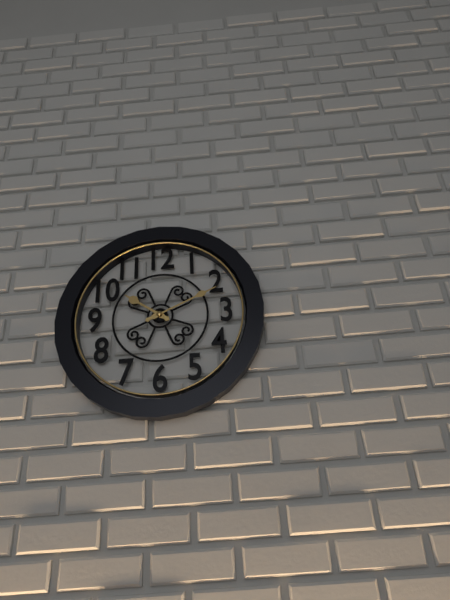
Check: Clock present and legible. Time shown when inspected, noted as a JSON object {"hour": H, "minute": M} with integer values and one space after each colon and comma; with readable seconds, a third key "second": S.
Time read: {"hour": 10, "minute": 11}
